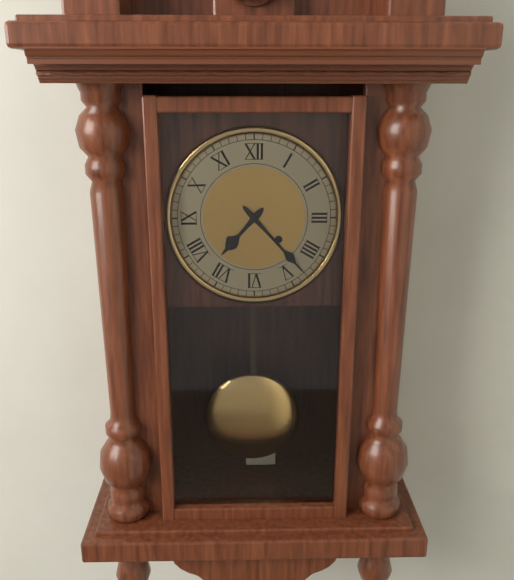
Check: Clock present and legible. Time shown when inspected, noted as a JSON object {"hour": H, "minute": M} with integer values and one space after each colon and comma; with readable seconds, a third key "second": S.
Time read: {"hour": 7, "minute": 23}
